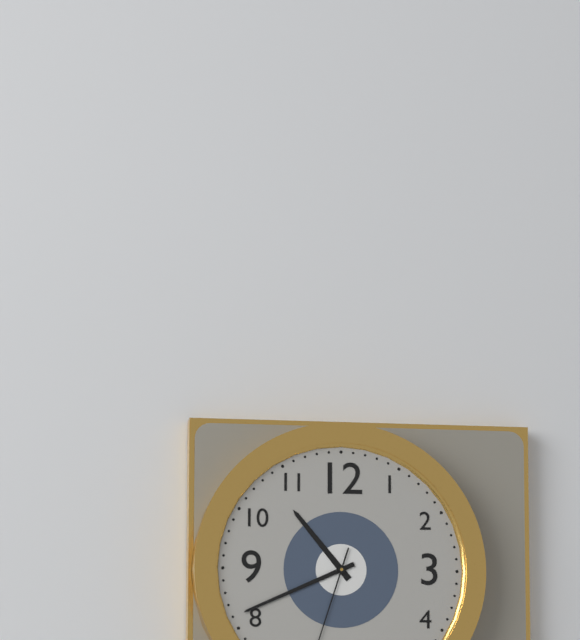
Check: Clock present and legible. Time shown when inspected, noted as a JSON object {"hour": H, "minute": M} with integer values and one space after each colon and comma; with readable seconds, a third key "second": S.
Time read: {"hour": 10, "minute": 41}
